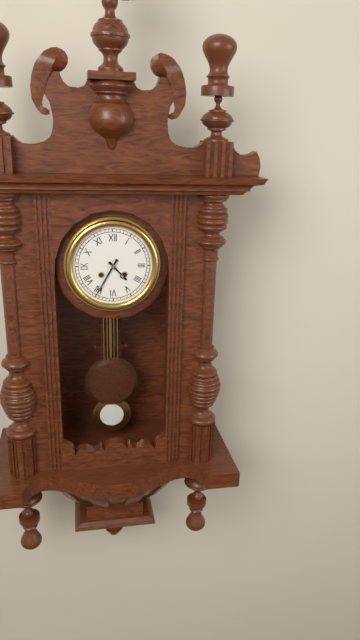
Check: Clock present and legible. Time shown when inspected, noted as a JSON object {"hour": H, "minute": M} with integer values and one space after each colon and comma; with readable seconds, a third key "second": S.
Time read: {"hour": 4, "minute": 35}
